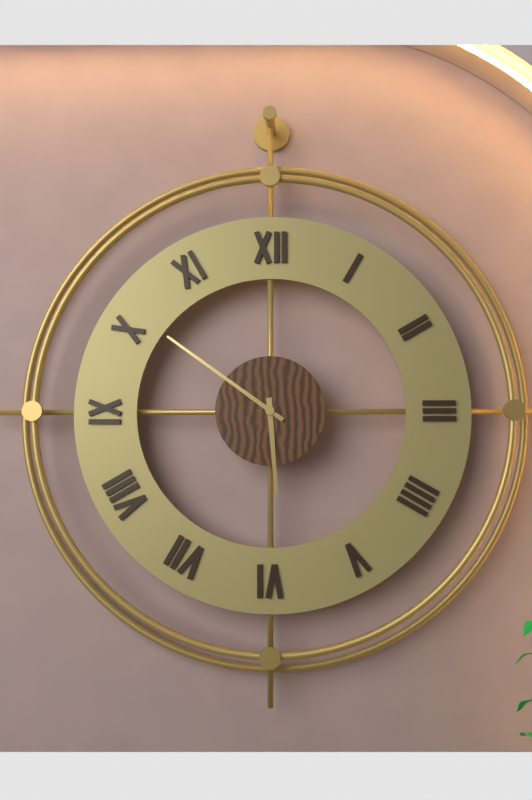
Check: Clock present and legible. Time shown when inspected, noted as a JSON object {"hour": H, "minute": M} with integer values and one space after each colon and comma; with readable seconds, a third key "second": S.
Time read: {"hour": 5, "minute": 51}
